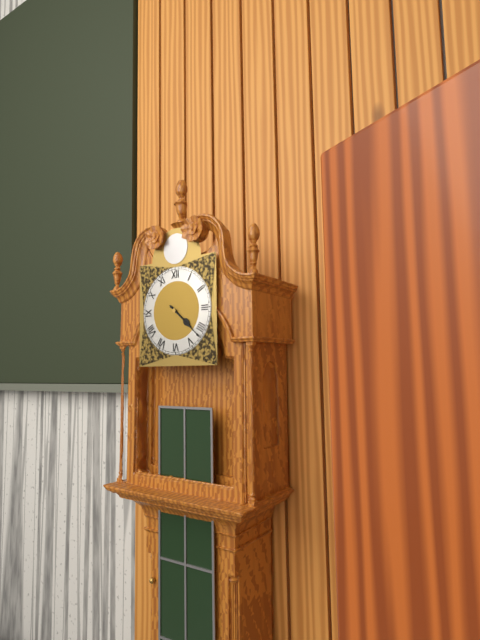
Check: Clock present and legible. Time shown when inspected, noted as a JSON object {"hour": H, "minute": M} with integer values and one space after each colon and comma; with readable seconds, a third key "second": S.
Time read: {"hour": 4, "minute": 22}
